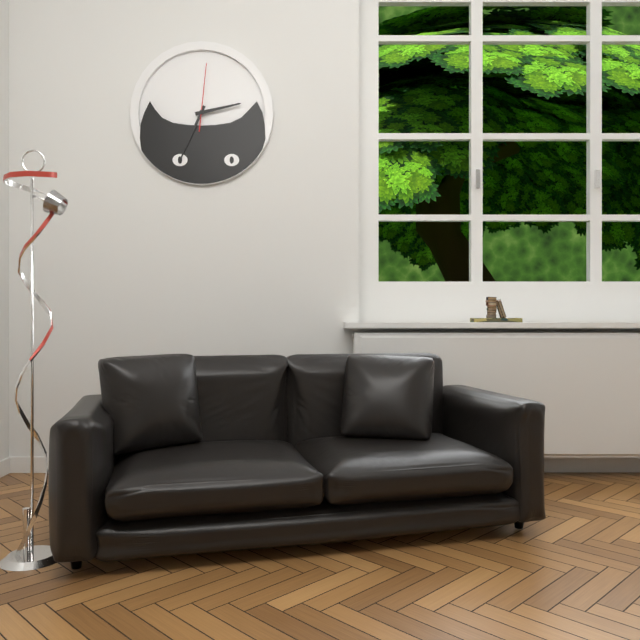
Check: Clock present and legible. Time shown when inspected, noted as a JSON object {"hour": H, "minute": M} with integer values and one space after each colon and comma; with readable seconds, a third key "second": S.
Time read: {"hour": 2, "minute": 34, "second": 1}
